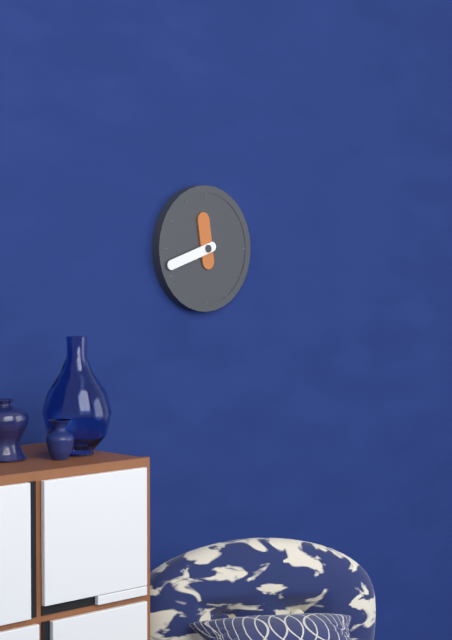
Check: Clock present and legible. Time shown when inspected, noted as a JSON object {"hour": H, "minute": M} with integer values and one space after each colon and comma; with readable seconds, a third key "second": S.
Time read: {"hour": 11, "minute": 42}
